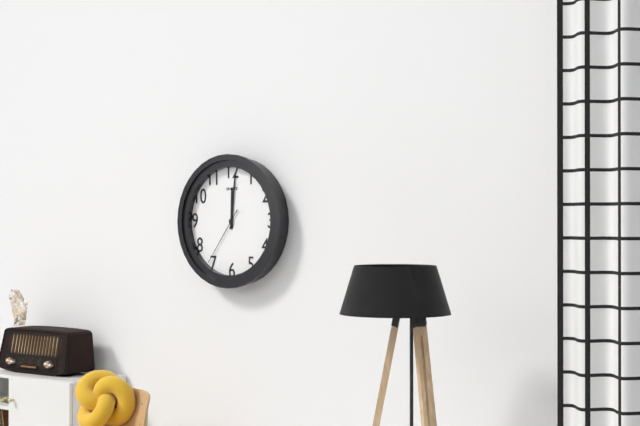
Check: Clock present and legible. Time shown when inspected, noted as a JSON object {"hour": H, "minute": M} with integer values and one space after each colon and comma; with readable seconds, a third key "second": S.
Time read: {"hour": 12, "minute": 1, "second": 36}
